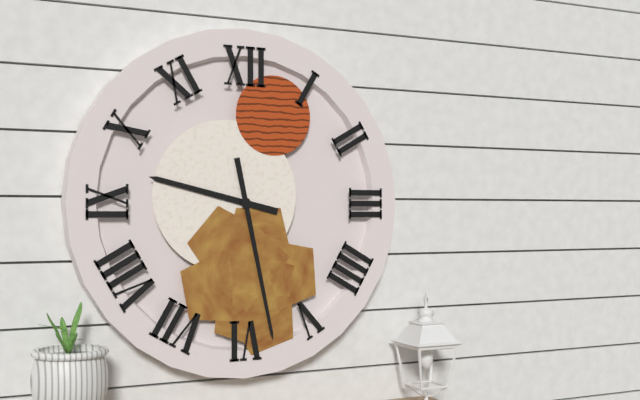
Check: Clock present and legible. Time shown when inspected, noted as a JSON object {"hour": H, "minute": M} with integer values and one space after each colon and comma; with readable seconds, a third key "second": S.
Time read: {"hour": 9, "minute": 28}
